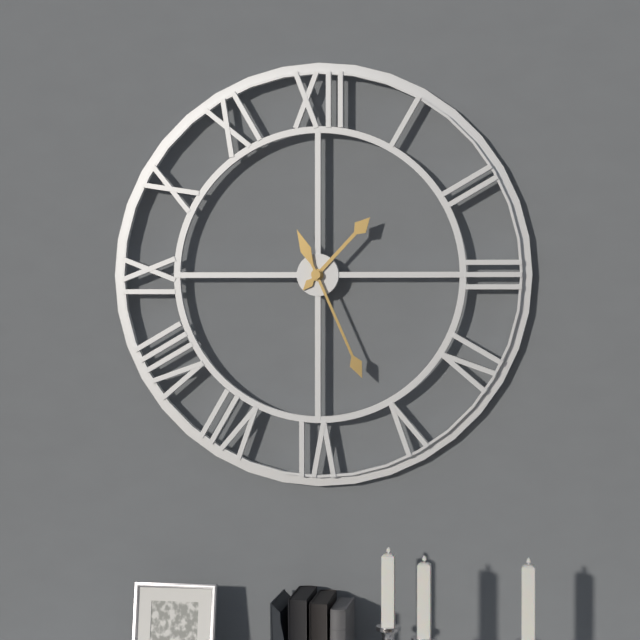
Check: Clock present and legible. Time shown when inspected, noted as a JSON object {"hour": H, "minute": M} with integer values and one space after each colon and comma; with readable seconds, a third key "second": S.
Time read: {"hour": 1, "minute": 26}
